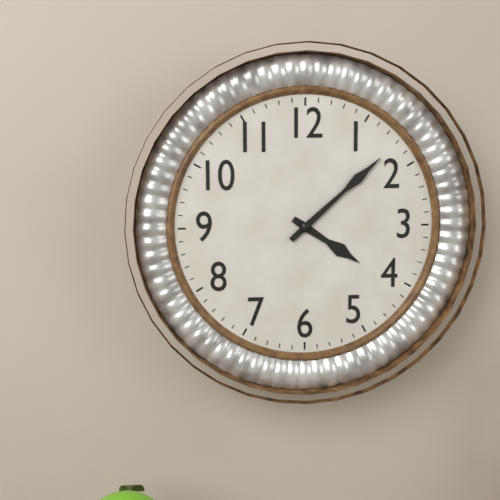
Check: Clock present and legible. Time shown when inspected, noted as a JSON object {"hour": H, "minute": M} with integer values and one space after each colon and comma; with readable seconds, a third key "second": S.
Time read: {"hour": 4, "minute": 8}
